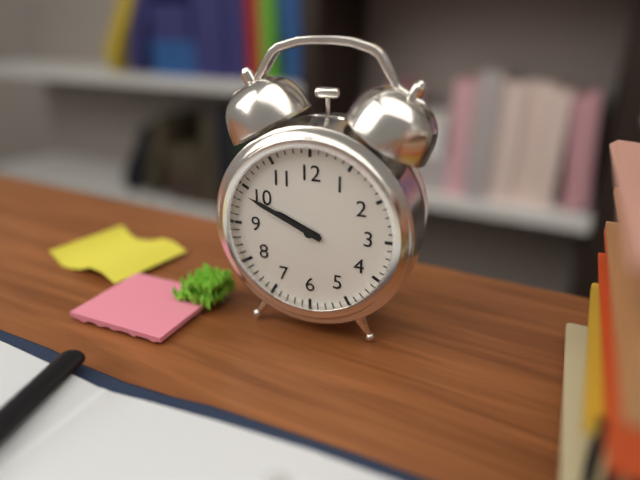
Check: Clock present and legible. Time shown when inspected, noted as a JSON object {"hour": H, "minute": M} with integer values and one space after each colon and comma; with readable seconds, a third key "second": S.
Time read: {"hour": 9, "minute": 49}
